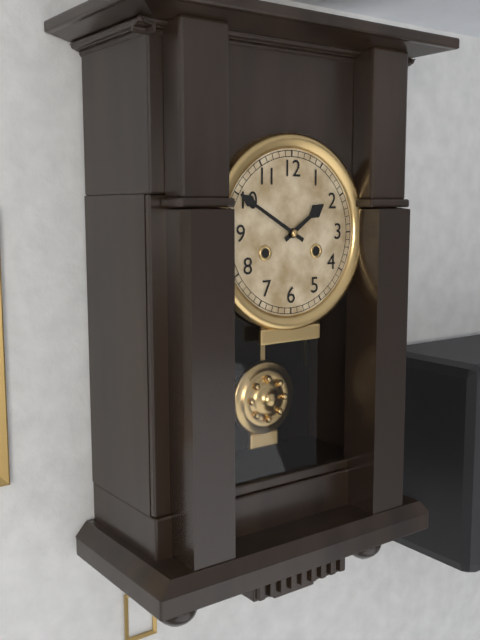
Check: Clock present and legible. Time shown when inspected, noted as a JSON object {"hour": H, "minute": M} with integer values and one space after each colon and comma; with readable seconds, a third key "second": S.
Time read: {"hour": 1, "minute": 50}
